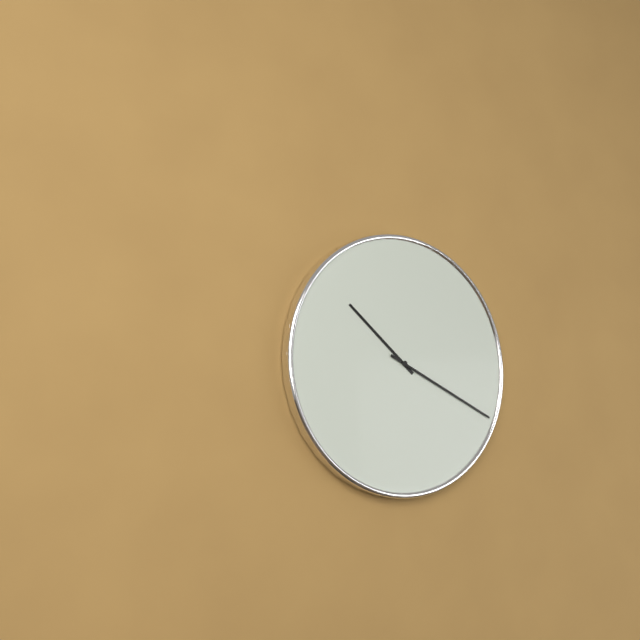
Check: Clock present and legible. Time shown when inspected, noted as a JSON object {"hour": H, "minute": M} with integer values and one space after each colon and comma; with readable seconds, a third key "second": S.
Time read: {"hour": 10, "minute": 19}
